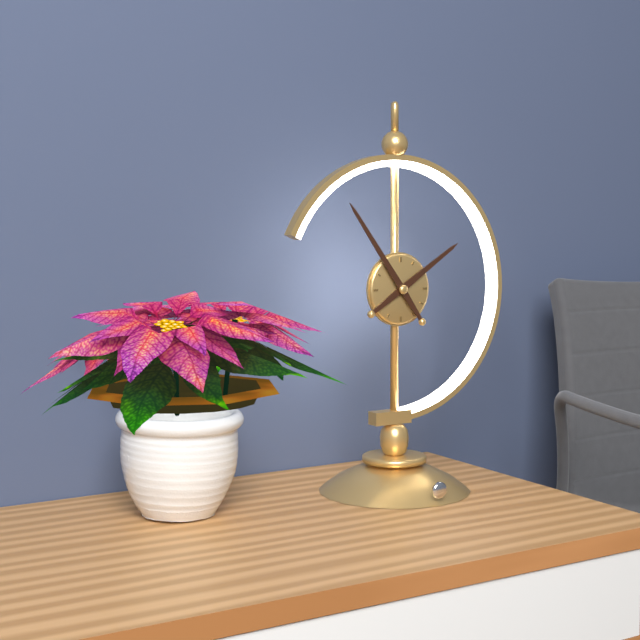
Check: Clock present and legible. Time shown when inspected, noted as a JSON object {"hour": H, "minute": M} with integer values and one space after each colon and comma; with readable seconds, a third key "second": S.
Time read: {"hour": 1, "minute": 54}
